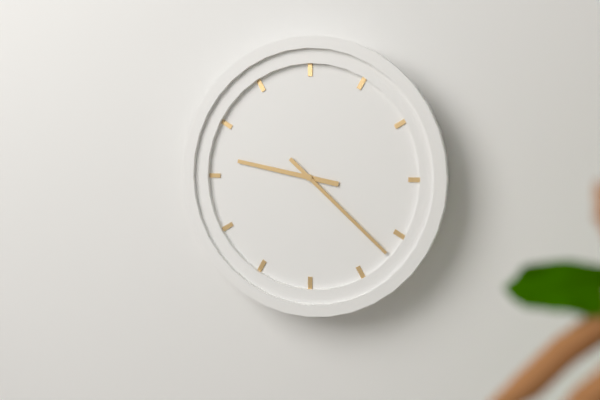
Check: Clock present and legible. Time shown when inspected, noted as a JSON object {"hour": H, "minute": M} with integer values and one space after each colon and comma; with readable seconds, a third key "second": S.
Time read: {"hour": 9, "minute": 22}
